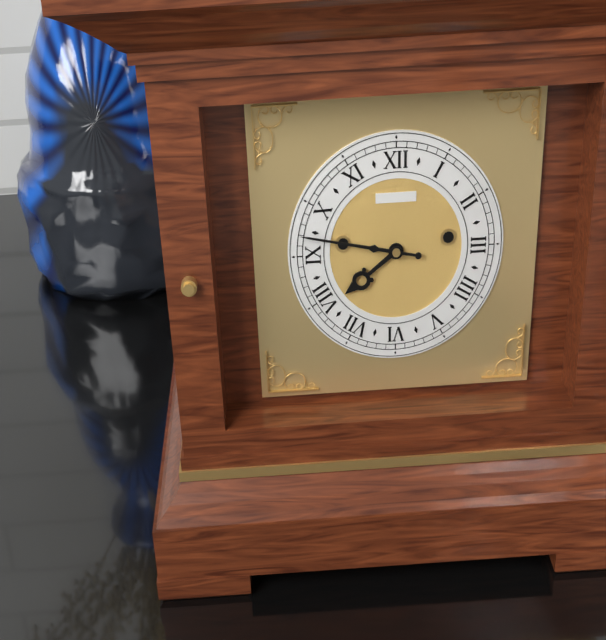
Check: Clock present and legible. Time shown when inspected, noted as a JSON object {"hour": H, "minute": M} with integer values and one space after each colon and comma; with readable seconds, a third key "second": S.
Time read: {"hour": 7, "minute": 47}
